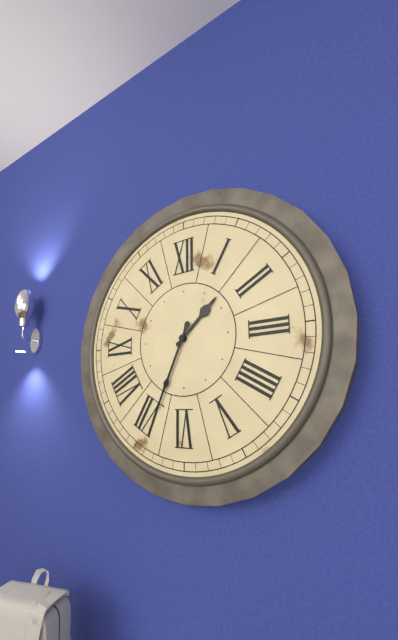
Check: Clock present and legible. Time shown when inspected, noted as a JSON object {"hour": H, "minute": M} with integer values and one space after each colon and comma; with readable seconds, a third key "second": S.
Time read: {"hour": 1, "minute": 34}
